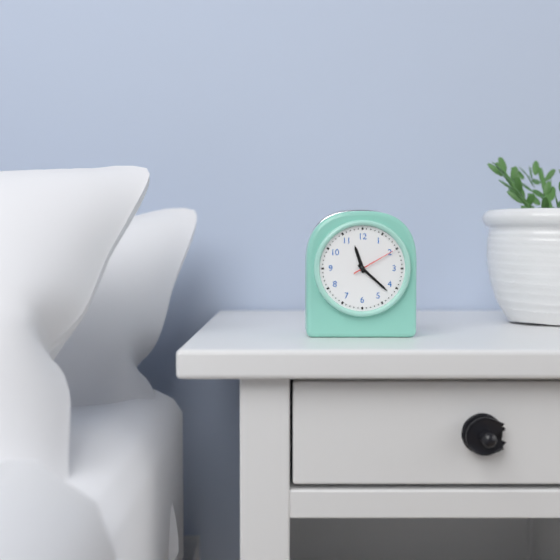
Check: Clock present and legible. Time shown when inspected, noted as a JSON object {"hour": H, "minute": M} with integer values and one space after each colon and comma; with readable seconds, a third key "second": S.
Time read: {"hour": 11, "minute": 22}
